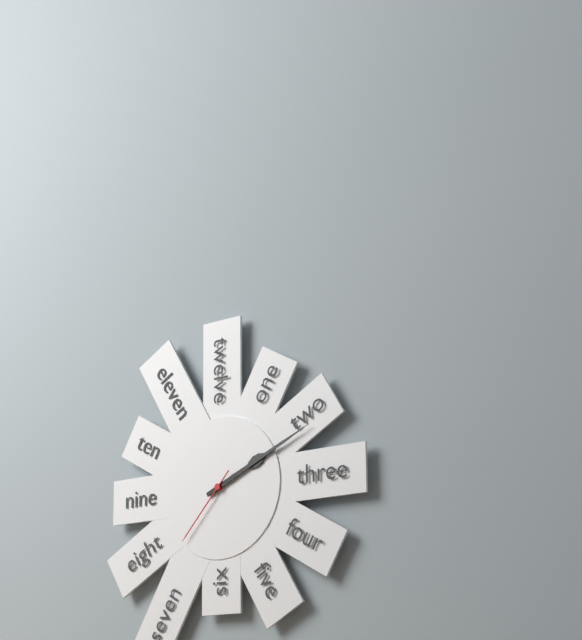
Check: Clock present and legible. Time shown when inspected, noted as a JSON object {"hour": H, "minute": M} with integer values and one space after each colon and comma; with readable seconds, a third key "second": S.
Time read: {"hour": 2, "minute": 11, "second": 37}
